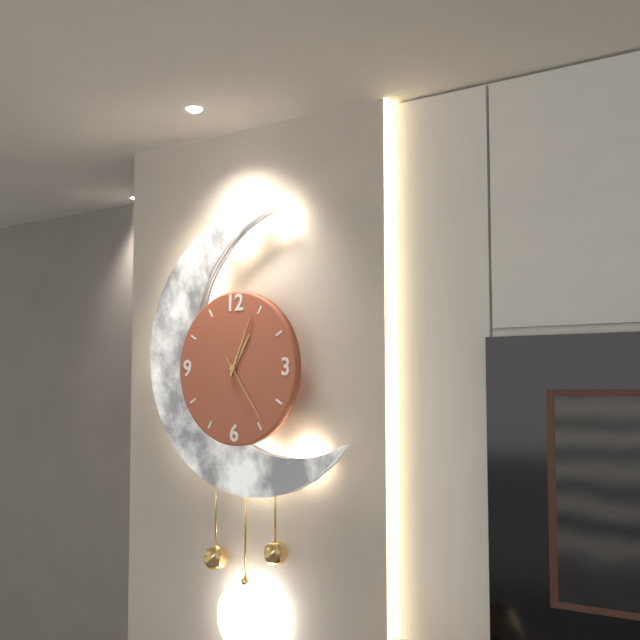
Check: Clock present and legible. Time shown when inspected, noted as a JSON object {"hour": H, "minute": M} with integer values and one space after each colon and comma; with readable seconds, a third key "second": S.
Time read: {"hour": 1, "minute": 4, "second": 24}
